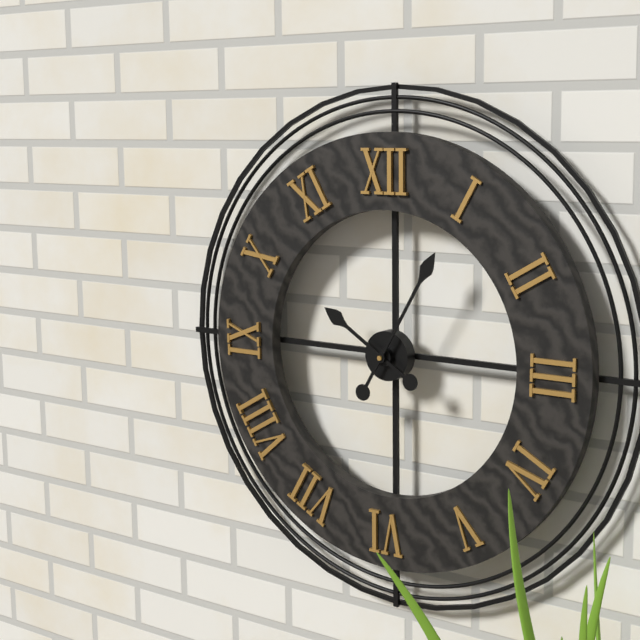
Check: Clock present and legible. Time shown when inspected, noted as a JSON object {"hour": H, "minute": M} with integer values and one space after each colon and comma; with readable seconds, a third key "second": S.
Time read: {"hour": 10, "minute": 5}
